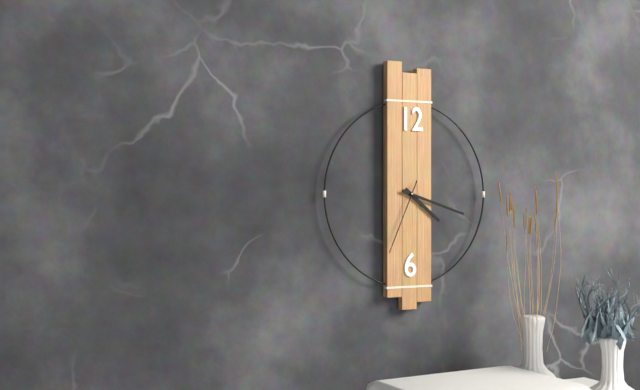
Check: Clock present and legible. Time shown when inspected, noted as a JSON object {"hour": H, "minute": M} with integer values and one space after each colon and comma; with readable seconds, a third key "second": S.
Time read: {"hour": 4, "minute": 18, "second": 34}
